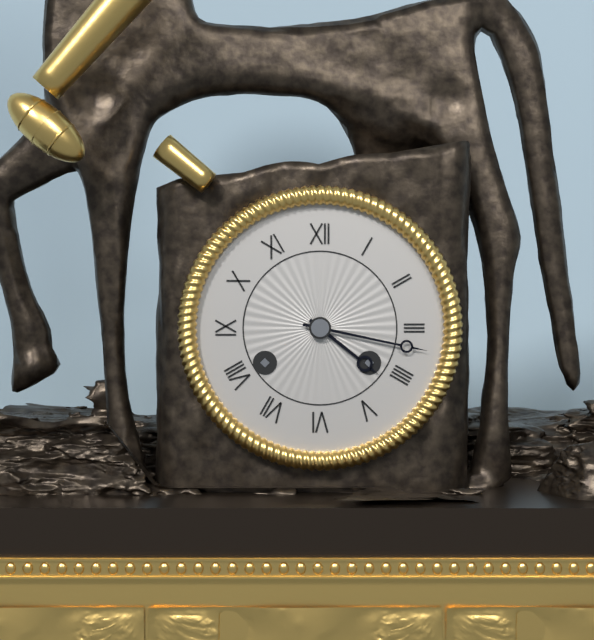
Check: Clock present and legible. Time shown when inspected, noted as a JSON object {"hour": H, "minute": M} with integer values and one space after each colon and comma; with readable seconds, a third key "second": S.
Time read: {"hour": 4, "minute": 17}
